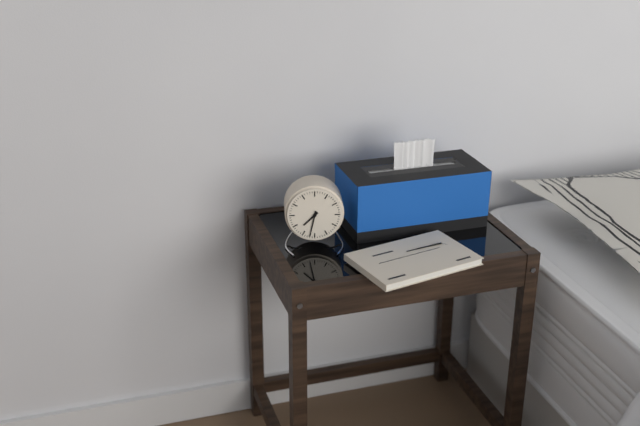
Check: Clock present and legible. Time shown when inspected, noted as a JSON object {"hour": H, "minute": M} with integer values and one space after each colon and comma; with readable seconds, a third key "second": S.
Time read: {"hour": 7, "minute": 32}
